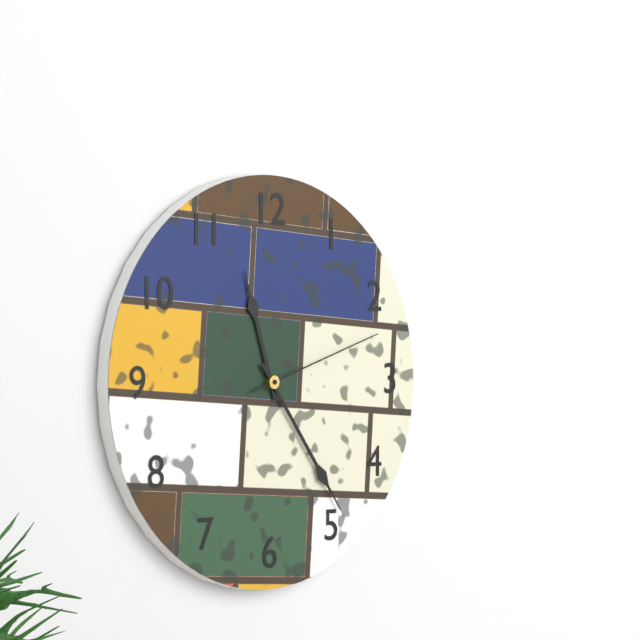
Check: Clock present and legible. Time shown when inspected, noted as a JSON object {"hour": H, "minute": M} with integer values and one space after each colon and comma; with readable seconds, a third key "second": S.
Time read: {"hour": 11, "minute": 24, "second": 12}
